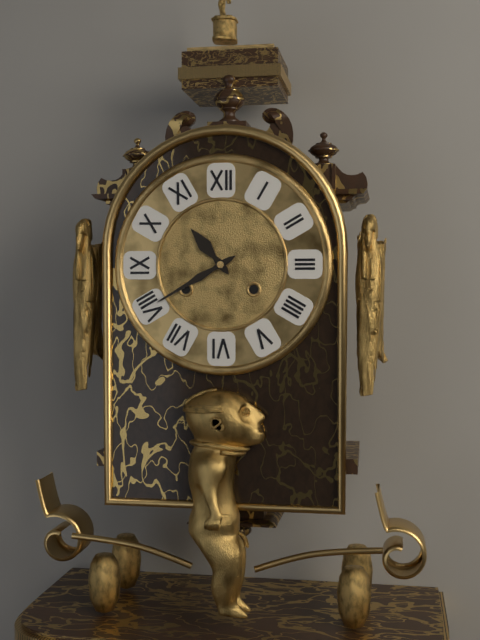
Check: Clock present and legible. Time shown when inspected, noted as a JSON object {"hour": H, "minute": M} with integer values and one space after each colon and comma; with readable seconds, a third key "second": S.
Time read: {"hour": 10, "minute": 40}
